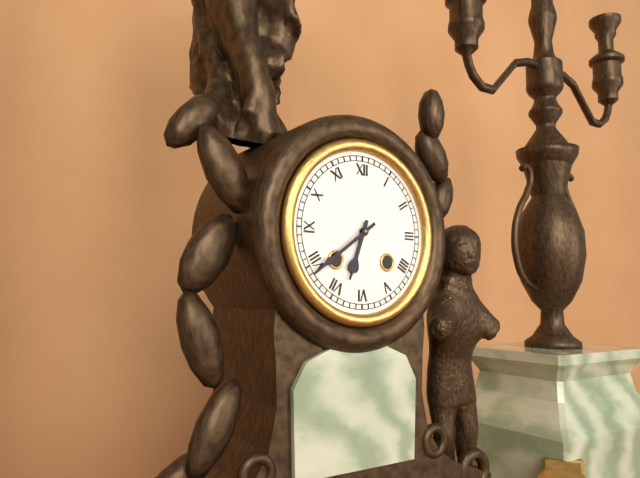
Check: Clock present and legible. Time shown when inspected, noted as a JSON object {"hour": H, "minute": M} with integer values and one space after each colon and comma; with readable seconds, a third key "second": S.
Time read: {"hour": 6, "minute": 39}
